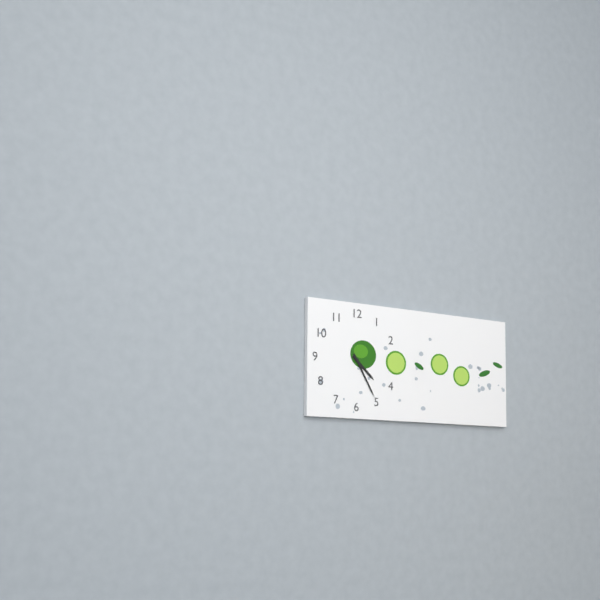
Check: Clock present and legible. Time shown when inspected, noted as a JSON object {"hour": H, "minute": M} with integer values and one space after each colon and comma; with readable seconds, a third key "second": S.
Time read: {"hour": 4, "minute": 25}
